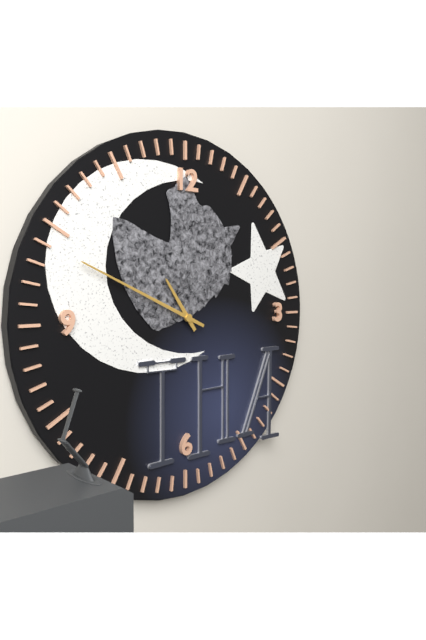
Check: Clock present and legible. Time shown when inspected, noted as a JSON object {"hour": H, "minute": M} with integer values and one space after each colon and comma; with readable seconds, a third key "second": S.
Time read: {"hour": 10, "minute": 49}
